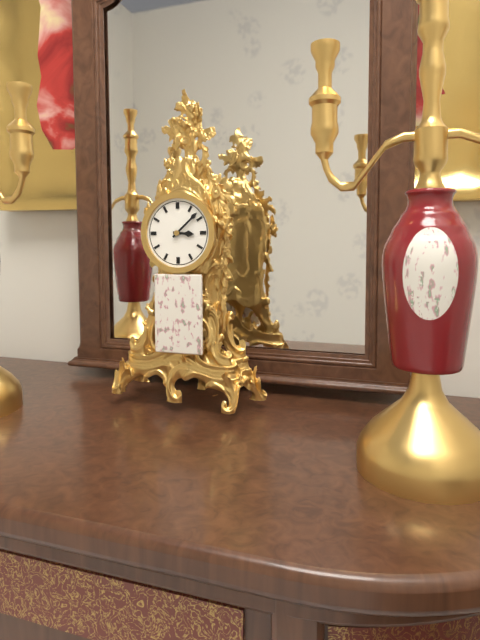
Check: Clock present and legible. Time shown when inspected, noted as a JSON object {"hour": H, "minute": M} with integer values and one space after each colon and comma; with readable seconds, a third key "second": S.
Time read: {"hour": 3, "minute": 8}
